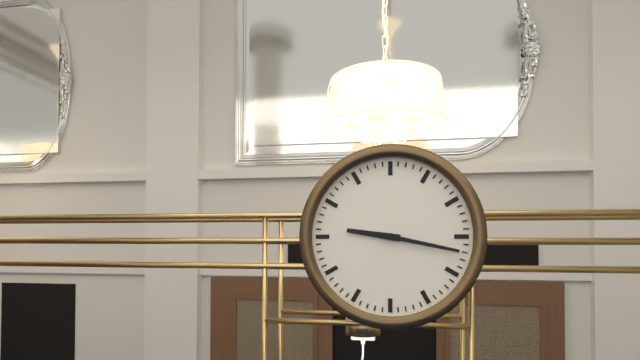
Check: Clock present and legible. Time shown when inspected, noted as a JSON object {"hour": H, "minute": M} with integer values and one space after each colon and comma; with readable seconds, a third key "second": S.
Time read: {"hour": 9, "minute": 17}
